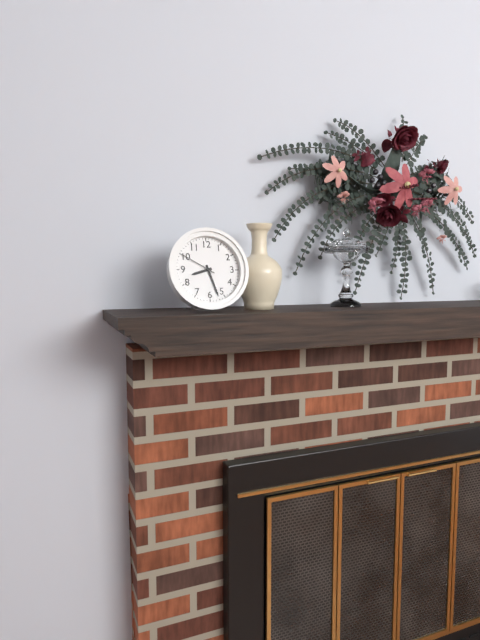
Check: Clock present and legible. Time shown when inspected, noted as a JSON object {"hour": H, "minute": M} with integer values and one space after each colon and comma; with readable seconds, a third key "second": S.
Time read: {"hour": 8, "minute": 27}
